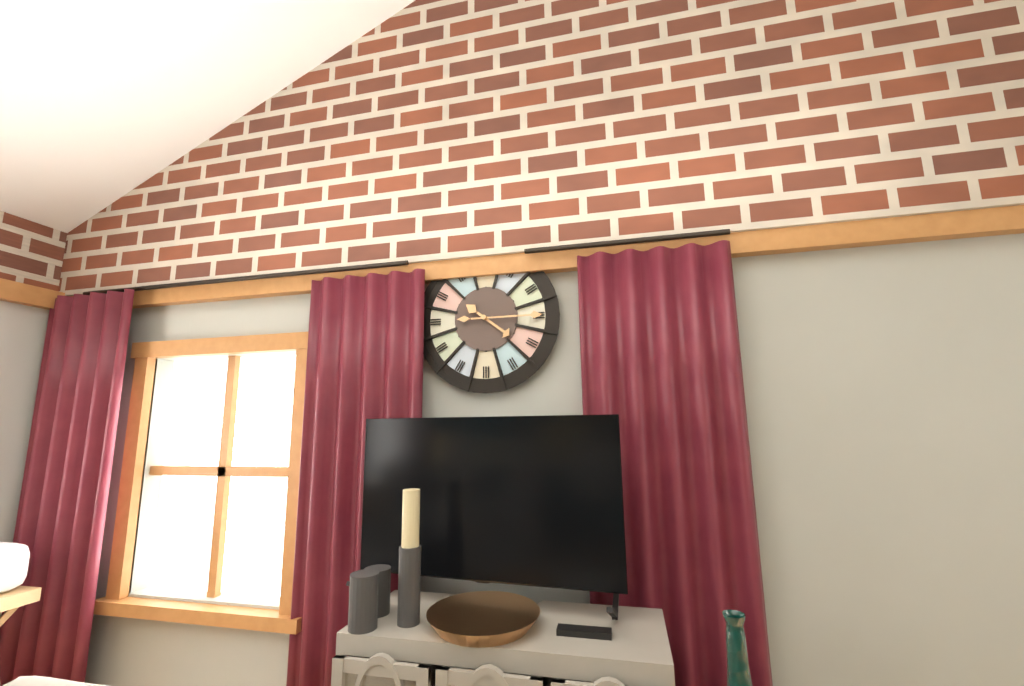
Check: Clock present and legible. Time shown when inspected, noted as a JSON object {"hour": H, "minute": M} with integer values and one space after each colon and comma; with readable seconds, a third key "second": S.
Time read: {"hour": 4, "minute": 15}
